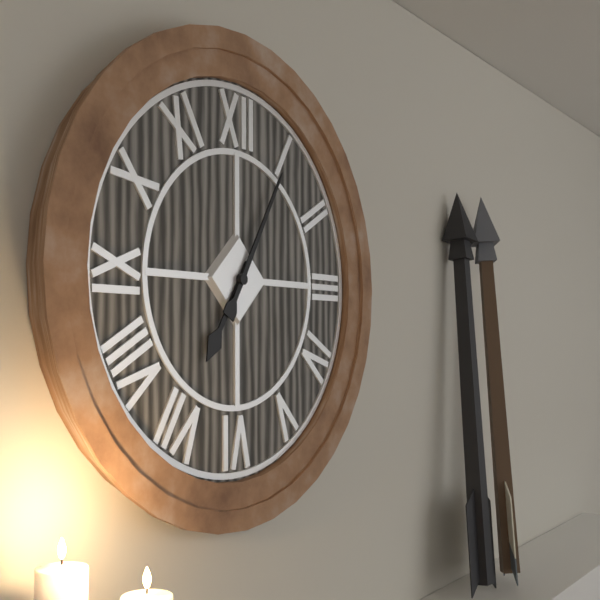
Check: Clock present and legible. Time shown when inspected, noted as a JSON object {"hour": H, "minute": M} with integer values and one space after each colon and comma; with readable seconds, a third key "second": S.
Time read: {"hour": 7, "minute": 5}
